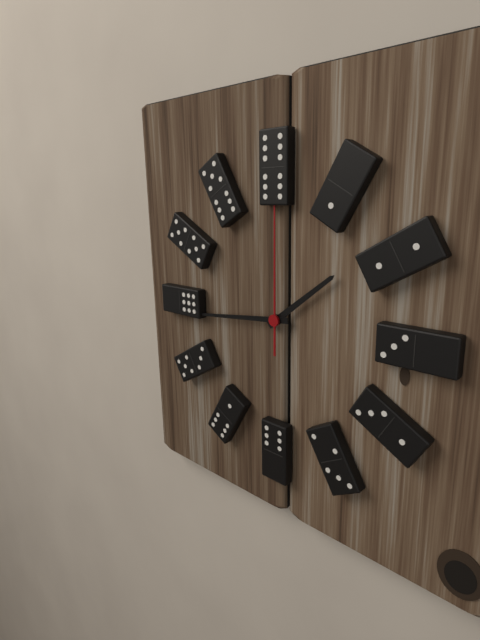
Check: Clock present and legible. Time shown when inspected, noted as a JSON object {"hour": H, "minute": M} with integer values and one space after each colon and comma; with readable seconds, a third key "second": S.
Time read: {"hour": 1, "minute": 44, "second": 0}
